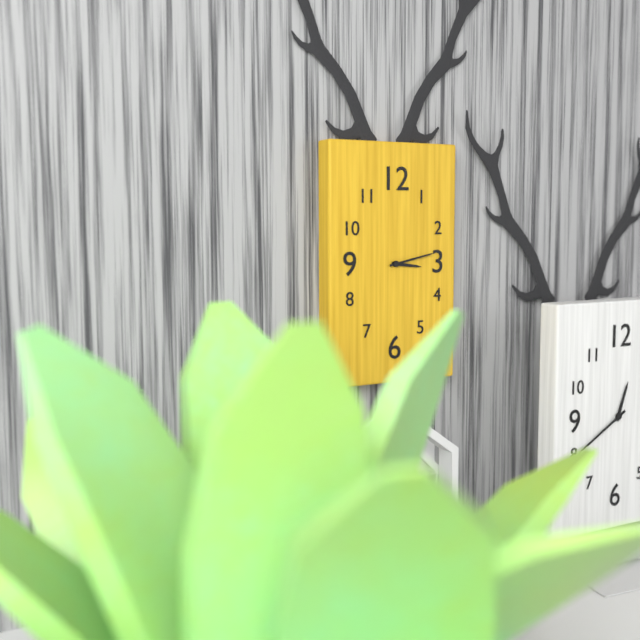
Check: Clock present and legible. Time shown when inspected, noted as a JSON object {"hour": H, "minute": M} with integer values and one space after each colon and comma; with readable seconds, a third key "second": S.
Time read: {"hour": 3, "minute": 13}
